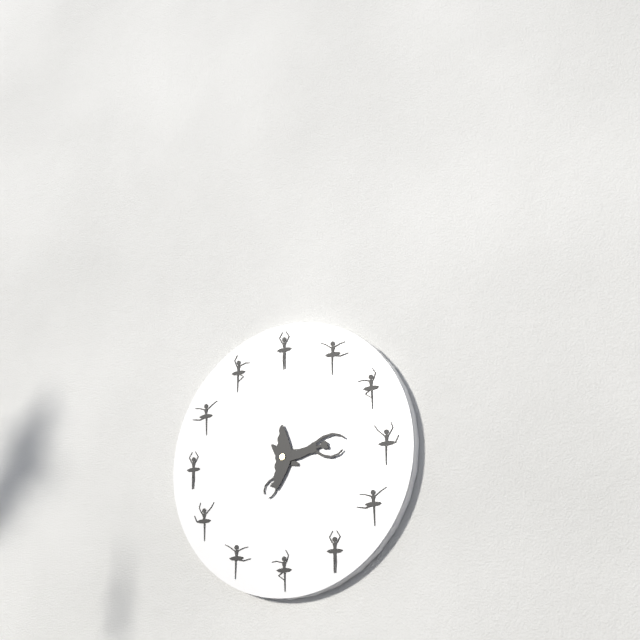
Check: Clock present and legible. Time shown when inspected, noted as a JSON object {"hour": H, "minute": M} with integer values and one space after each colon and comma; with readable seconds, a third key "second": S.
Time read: {"hour": 7, "minute": 16}
